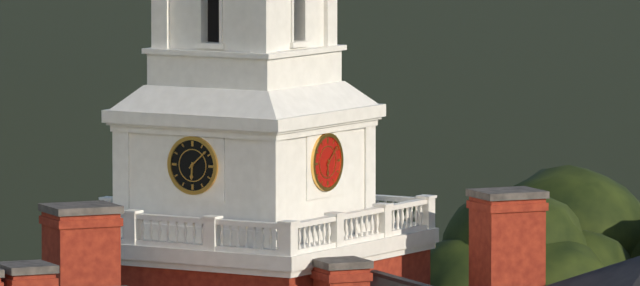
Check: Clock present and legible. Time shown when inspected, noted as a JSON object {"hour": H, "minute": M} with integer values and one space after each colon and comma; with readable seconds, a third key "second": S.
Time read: {"hour": 6, "minute": 8}
